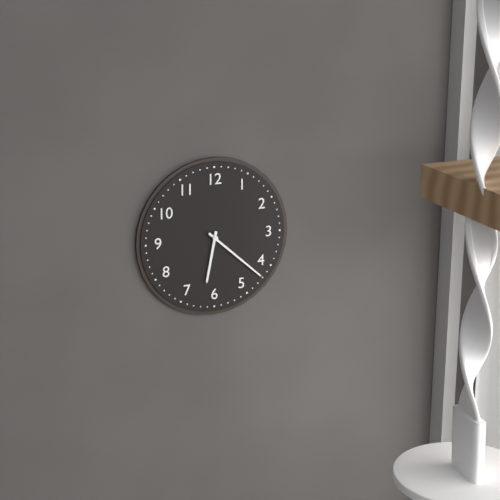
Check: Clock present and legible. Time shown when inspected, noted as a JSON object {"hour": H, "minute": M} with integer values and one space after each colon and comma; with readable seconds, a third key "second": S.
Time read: {"hour": 6, "minute": 22}
